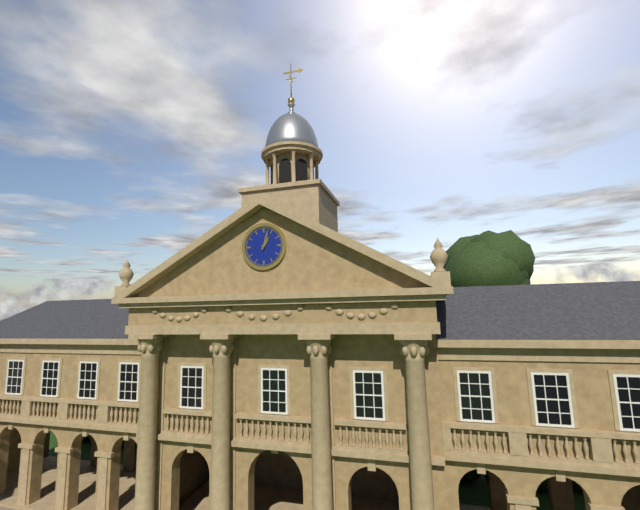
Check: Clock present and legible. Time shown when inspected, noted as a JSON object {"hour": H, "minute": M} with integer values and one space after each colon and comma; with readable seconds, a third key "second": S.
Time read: {"hour": 1, "minute": 3}
